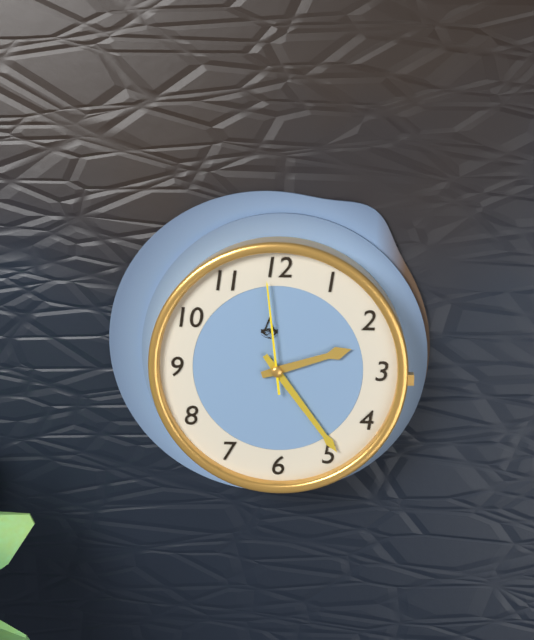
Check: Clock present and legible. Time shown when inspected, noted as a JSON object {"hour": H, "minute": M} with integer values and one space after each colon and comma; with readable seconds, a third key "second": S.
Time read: {"hour": 2, "minute": 24, "second": 59}
